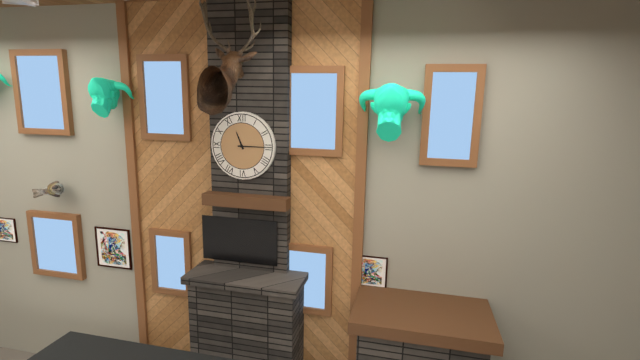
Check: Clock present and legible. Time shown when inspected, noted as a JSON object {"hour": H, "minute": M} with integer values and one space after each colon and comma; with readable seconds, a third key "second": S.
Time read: {"hour": 11, "minute": 15}
